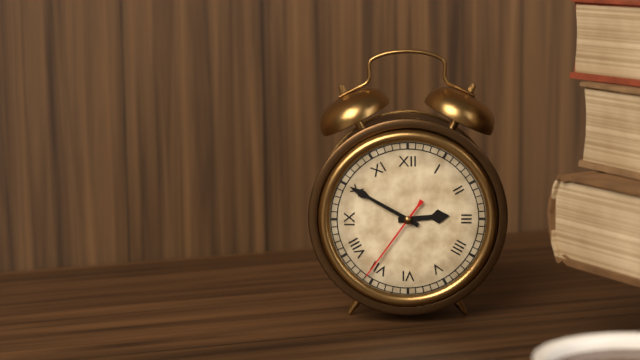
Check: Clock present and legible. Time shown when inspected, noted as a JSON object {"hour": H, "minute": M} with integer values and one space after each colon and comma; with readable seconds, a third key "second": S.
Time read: {"hour": 2, "minute": 50, "second": 36}
